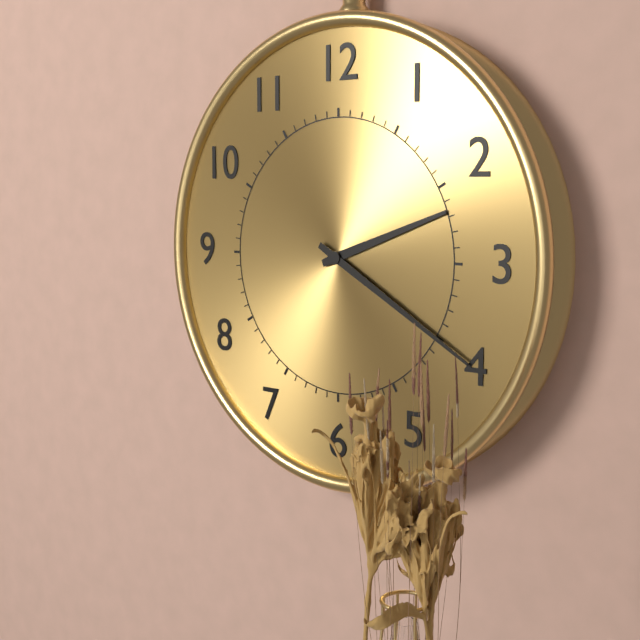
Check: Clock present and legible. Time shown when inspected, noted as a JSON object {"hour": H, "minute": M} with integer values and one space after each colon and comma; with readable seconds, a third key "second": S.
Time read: {"hour": 2, "minute": 20}
